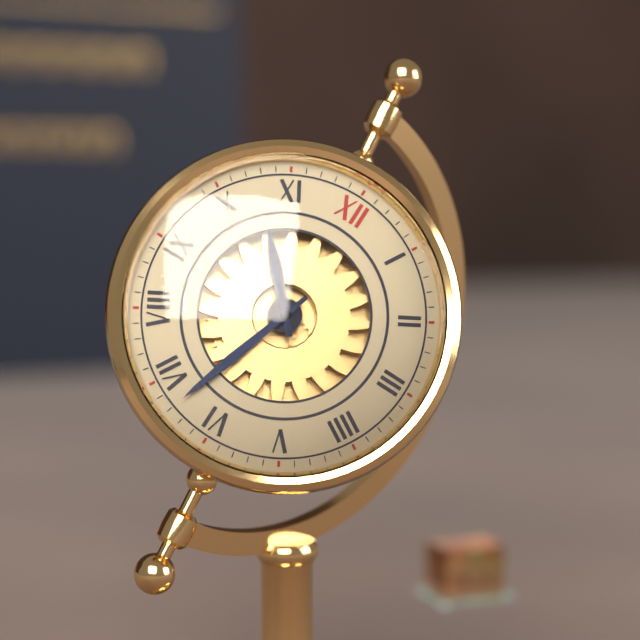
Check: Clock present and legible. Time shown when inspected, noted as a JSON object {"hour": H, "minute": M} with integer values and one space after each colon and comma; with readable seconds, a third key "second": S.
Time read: {"hour": 10, "minute": 33}
